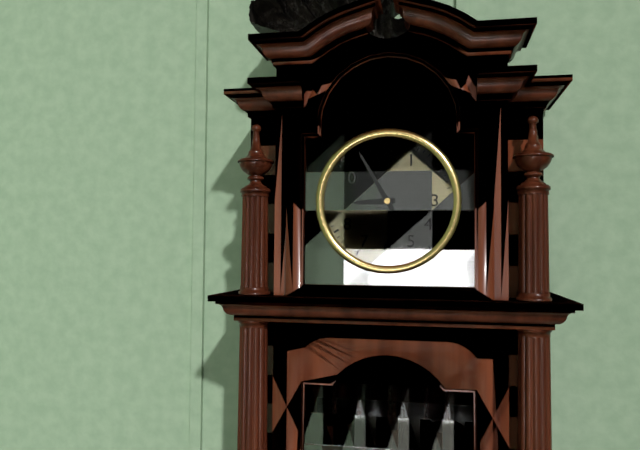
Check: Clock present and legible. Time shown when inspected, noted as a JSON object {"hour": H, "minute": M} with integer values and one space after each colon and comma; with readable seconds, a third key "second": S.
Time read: {"hour": 8, "minute": 55}
